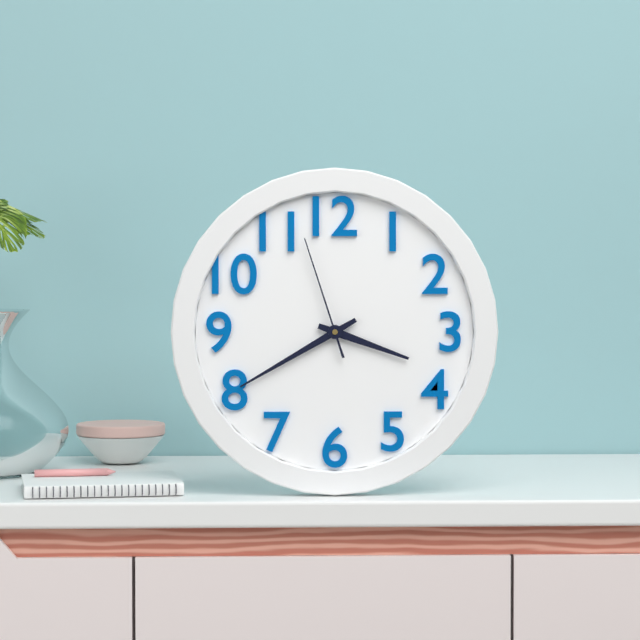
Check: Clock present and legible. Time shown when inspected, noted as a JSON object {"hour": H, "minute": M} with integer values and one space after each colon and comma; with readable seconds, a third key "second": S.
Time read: {"hour": 3, "minute": 40, "second": 57}
